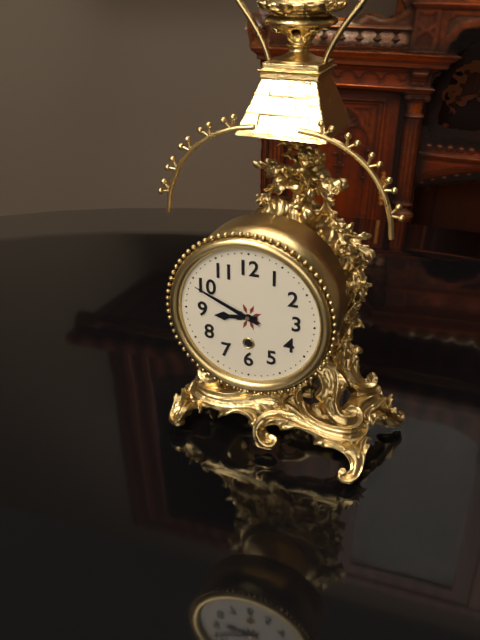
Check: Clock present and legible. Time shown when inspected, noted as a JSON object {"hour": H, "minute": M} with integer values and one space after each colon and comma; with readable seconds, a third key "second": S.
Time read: {"hour": 8, "minute": 49}
